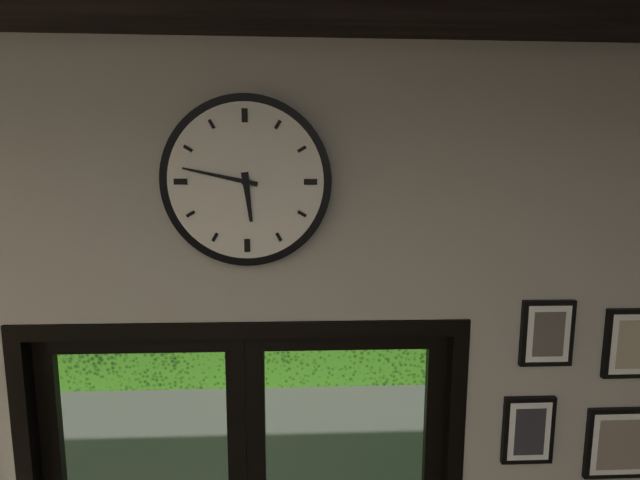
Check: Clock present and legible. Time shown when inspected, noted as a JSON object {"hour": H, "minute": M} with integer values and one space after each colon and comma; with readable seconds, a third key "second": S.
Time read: {"hour": 5, "minute": 47}
